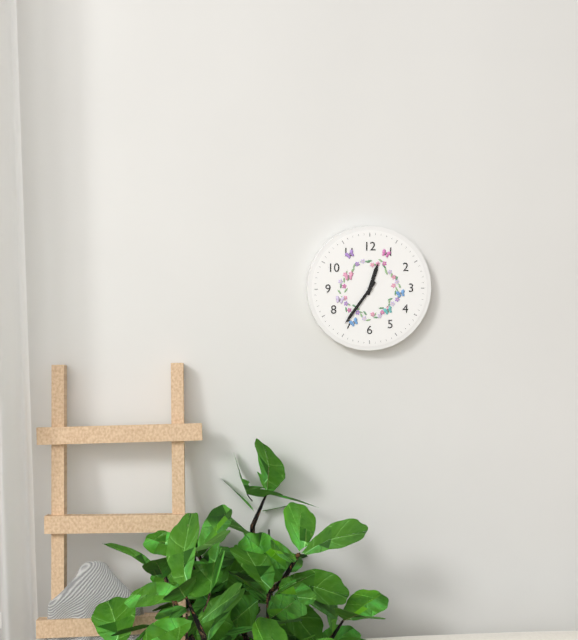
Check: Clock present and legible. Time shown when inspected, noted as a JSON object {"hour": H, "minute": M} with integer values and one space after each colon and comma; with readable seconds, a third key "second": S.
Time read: {"hour": 12, "minute": 36}
